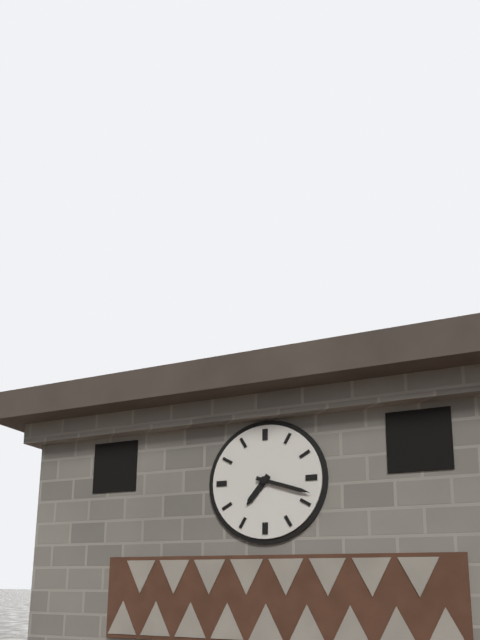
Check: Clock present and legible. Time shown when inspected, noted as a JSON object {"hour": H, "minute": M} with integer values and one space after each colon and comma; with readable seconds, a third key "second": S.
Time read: {"hour": 7, "minute": 18}
